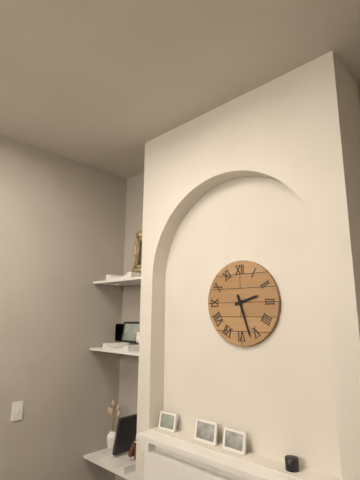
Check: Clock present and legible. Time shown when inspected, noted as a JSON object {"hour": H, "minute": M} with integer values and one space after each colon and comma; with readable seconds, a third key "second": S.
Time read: {"hour": 2, "minute": 27}
